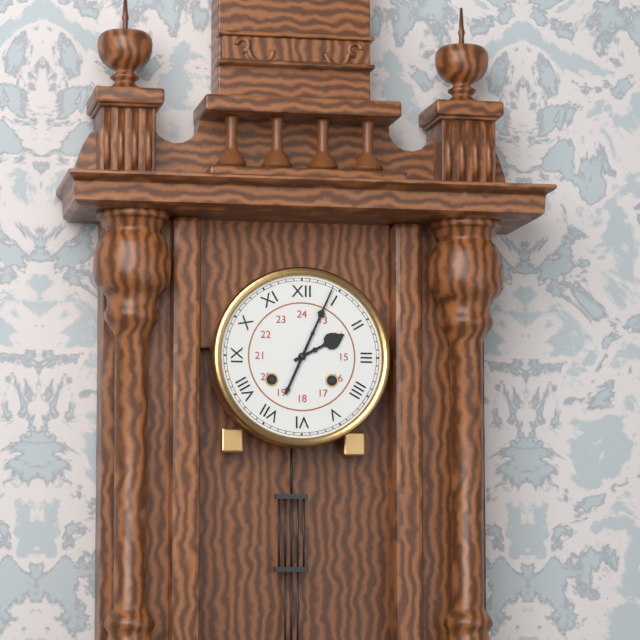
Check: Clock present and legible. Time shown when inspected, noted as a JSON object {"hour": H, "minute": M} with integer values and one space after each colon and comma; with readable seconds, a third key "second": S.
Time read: {"hour": 2, "minute": 4}
